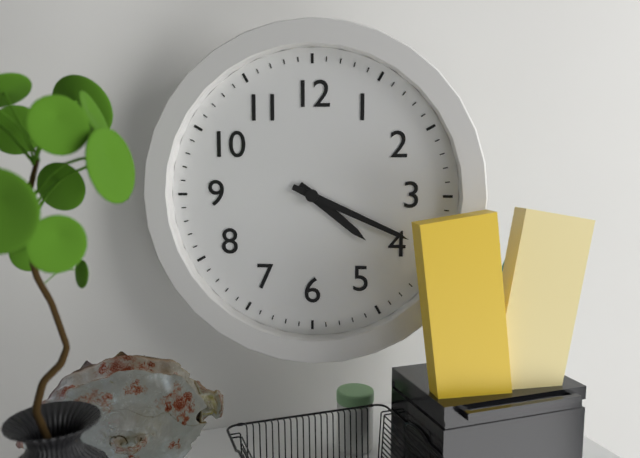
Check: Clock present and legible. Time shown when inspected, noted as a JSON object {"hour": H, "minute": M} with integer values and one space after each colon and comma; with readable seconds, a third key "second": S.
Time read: {"hour": 4, "minute": 19}
